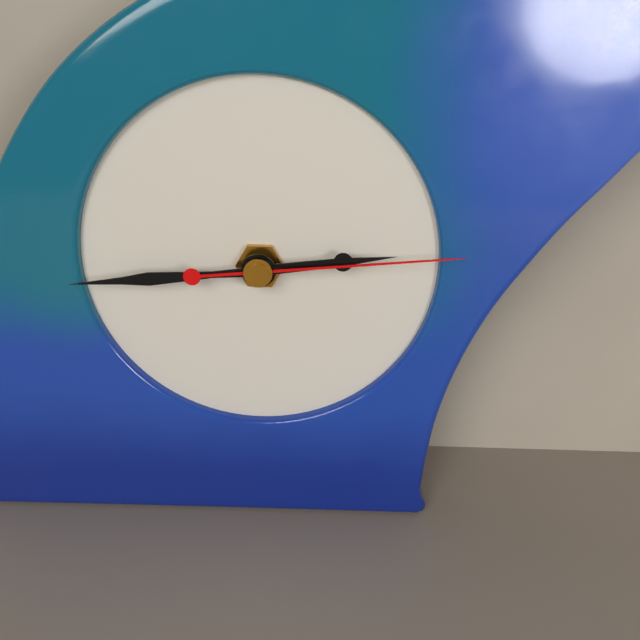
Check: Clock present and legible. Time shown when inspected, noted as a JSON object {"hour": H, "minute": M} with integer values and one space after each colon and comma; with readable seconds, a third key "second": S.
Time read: {"hour": 2, "minute": 44, "second": 14}
